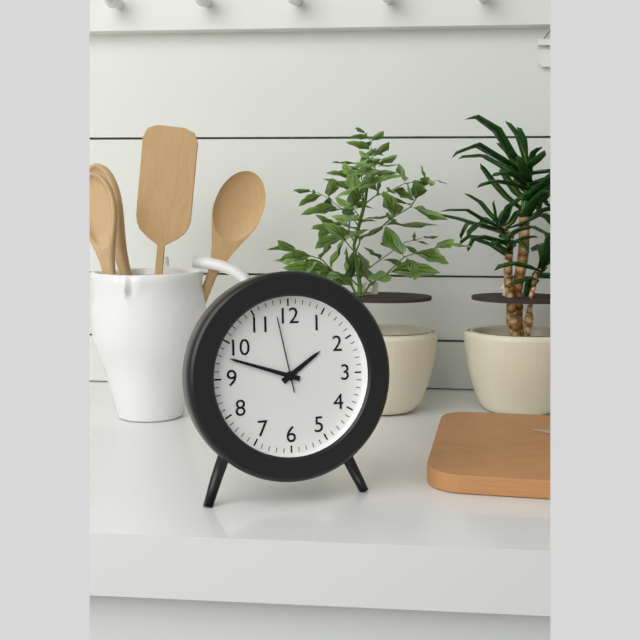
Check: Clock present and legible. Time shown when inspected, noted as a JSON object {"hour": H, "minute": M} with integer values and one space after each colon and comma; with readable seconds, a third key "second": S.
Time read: {"hour": 1, "minute": 48, "second": 58}
